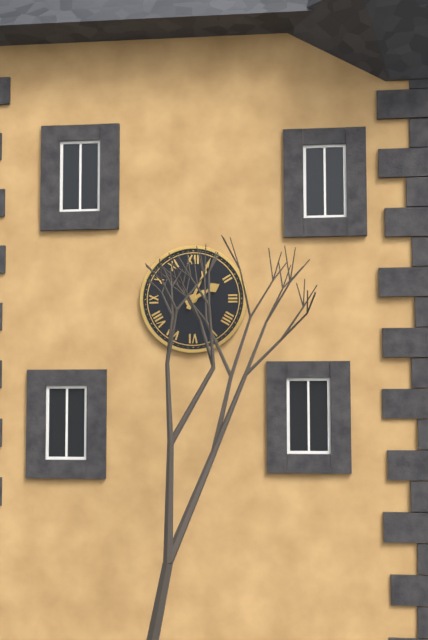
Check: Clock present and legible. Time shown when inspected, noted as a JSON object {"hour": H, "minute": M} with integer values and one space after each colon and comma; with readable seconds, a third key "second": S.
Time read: {"hour": 2, "minute": 4}
